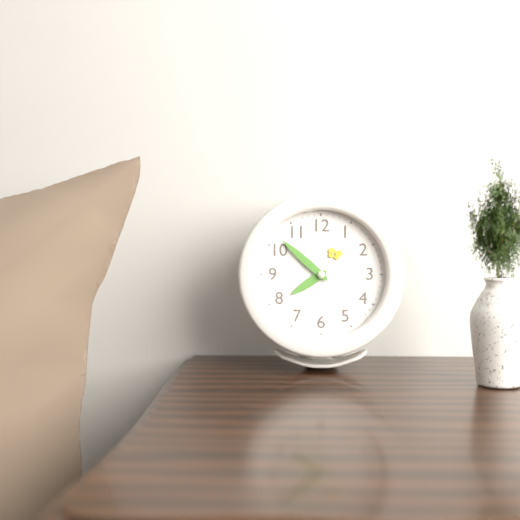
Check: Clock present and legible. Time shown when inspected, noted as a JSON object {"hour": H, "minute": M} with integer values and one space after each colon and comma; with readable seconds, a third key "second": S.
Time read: {"hour": 7, "minute": 52}
